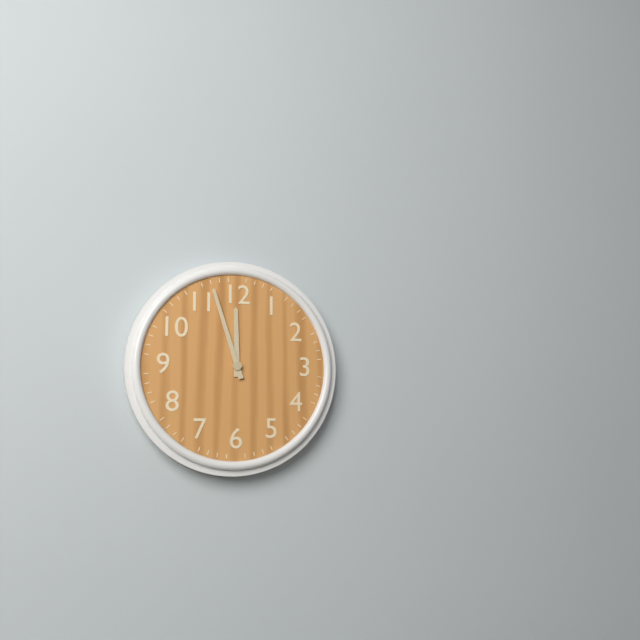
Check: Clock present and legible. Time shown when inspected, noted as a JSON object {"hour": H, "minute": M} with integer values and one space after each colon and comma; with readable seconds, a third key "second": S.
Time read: {"hour": 11, "minute": 57}
